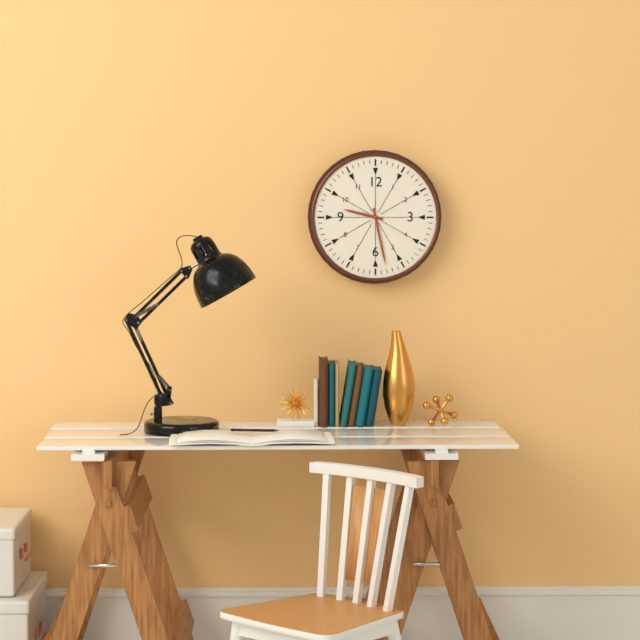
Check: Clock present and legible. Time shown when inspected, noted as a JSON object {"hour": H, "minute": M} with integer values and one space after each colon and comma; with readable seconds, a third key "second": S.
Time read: {"hour": 9, "minute": 28}
